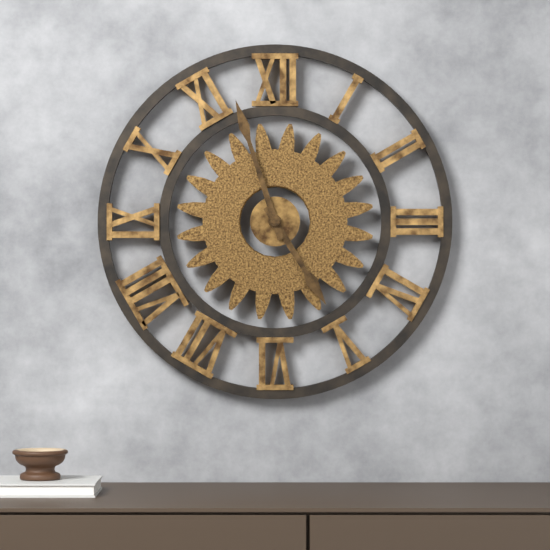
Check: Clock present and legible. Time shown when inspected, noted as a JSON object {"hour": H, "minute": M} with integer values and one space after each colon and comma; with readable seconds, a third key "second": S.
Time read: {"hour": 4, "minute": 57}
